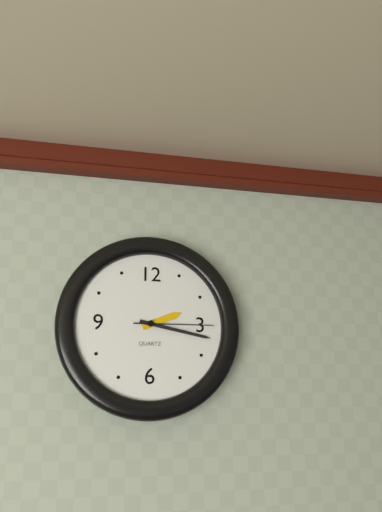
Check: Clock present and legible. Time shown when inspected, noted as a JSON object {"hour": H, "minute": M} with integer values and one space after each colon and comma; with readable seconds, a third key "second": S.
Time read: {"hour": 2, "minute": 17, "second": 15}
